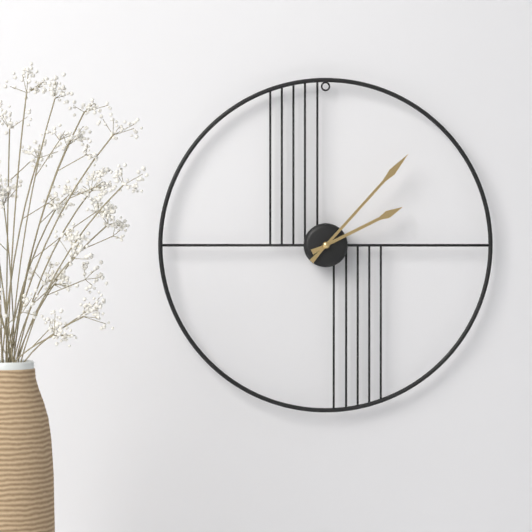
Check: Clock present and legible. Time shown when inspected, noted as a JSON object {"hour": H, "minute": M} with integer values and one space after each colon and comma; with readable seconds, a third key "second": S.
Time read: {"hour": 2, "minute": 7}
